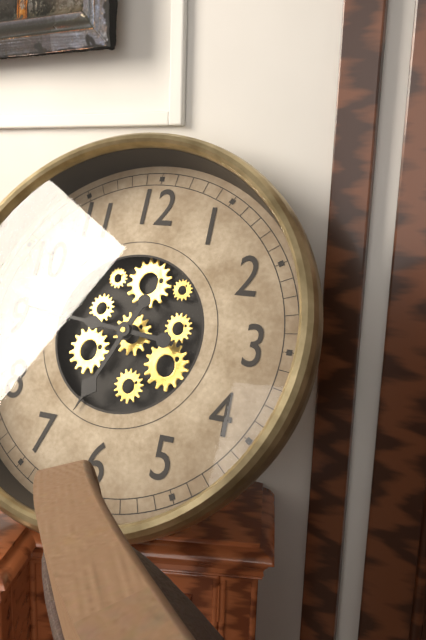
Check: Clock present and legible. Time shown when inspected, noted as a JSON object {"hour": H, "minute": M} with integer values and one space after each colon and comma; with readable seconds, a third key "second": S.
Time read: {"hour": 6, "minute": 46}
